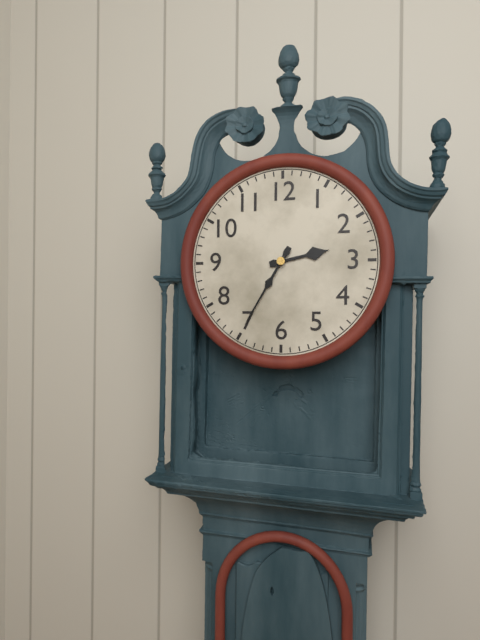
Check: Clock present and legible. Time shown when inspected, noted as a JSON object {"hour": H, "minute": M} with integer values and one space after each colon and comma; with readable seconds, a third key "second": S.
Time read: {"hour": 2, "minute": 35}
